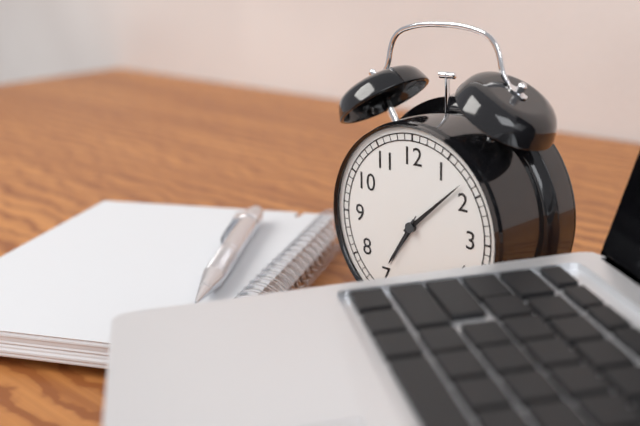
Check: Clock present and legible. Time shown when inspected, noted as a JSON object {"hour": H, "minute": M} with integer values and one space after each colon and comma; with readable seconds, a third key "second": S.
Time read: {"hour": 7, "minute": 8, "second": 35}
